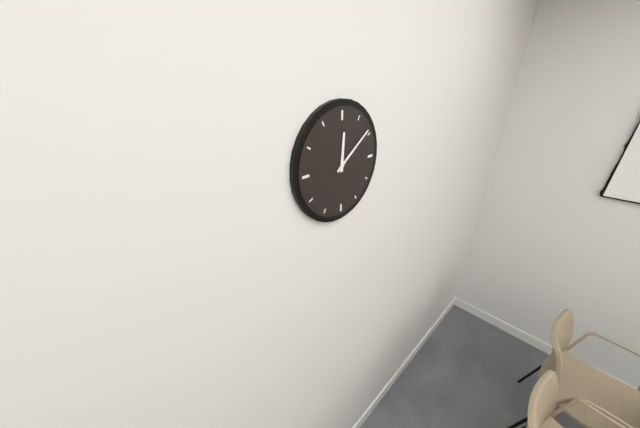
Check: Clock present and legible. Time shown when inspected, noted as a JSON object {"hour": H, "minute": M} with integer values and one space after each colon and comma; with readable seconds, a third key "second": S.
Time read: {"hour": 12, "minute": 9}
